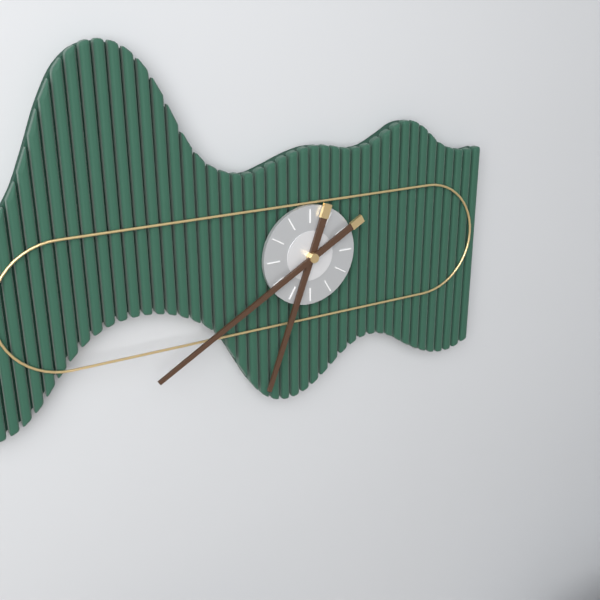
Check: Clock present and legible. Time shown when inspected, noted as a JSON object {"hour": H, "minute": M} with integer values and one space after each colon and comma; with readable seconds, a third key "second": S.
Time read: {"hour": 6, "minute": 40}
